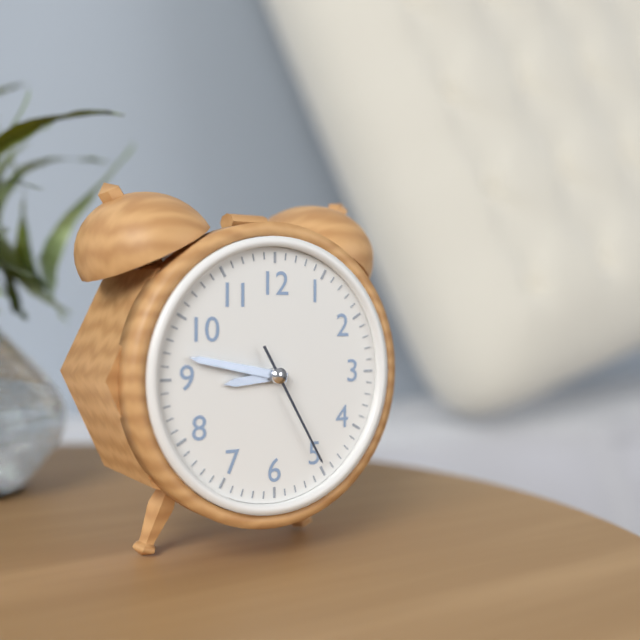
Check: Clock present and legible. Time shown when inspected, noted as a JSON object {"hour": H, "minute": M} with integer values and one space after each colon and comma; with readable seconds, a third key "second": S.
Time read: {"hour": 8, "minute": 47, "second": 25}
